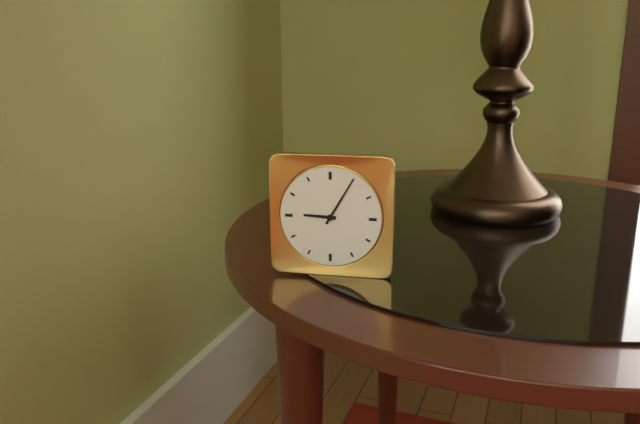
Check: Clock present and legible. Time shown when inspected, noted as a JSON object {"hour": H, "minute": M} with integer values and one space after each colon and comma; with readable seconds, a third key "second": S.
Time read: {"hour": 9, "minute": 5}
